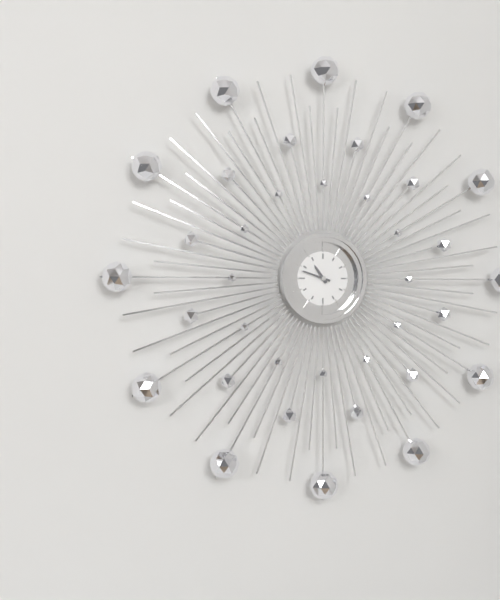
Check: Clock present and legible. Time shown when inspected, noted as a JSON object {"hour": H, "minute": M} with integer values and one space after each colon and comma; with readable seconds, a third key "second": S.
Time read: {"hour": 10, "minute": 48}
